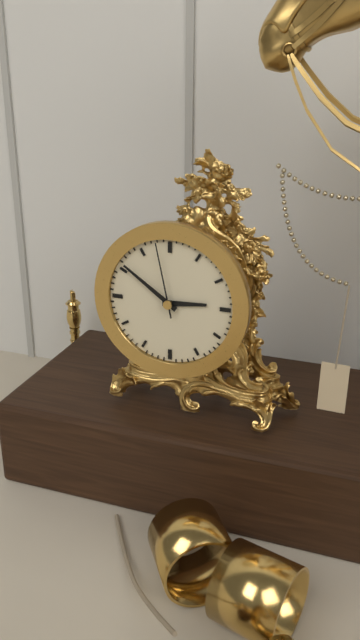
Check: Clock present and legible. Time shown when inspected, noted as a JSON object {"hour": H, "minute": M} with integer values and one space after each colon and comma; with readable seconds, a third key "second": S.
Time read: {"hour": 2, "minute": 51, "second": 58}
